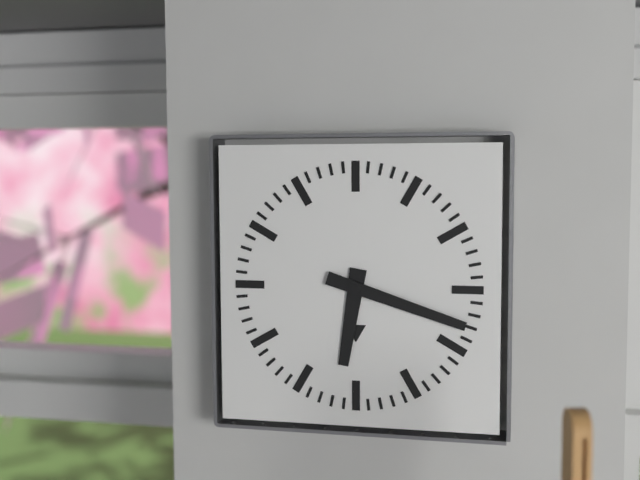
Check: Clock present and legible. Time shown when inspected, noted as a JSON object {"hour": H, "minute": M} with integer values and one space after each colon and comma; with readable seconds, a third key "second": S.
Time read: {"hour": 6, "minute": 18}
